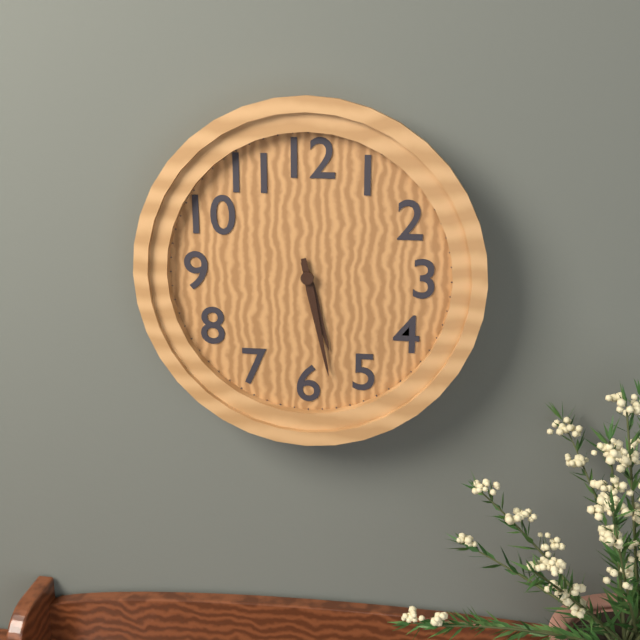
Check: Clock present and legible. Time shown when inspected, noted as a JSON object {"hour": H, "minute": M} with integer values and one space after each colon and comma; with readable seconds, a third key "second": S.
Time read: {"hour": 5, "minute": 28}
